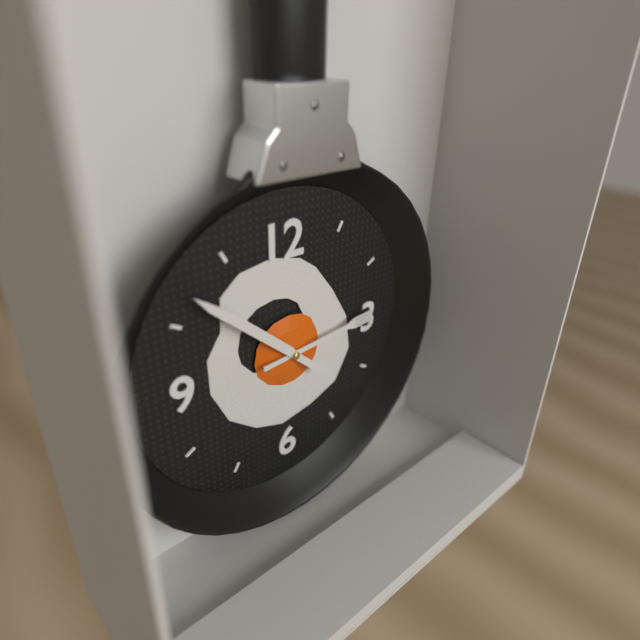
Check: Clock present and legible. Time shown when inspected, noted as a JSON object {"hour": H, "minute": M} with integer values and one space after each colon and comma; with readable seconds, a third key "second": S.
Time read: {"hour": 2, "minute": 52}
